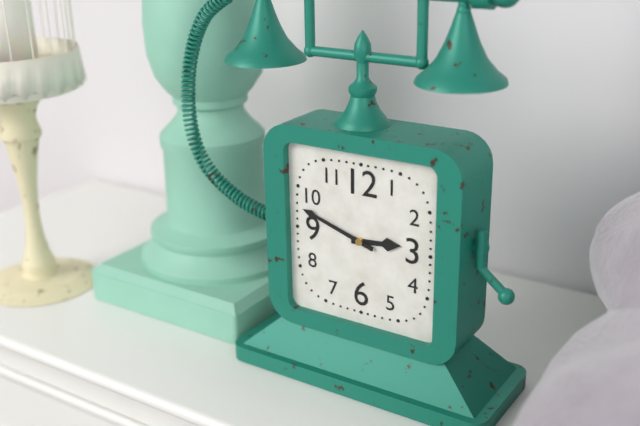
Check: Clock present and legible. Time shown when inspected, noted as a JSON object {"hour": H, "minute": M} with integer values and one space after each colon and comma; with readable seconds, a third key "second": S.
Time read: {"hour": 2, "minute": 48}
